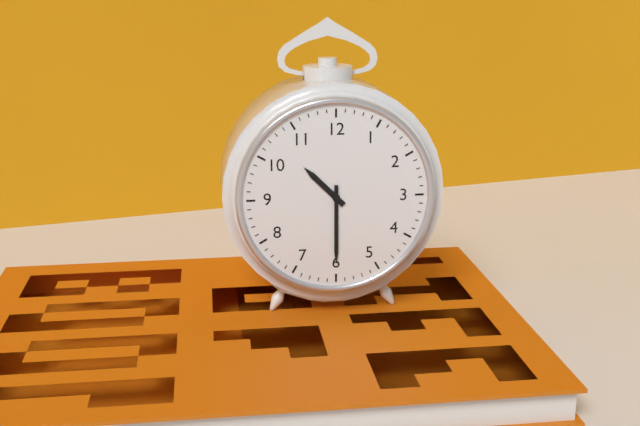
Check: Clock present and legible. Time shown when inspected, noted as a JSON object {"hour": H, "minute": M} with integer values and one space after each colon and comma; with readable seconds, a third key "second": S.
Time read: {"hour": 10, "minute": 30}
